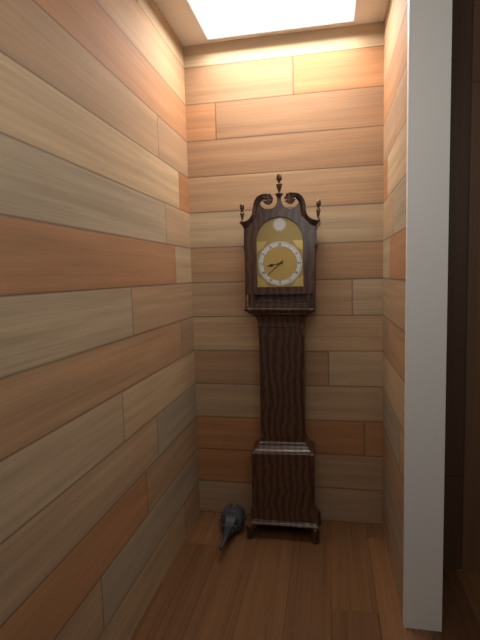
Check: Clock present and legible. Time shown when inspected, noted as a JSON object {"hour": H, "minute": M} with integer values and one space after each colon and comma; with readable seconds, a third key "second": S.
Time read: {"hour": 8, "minute": 38}
